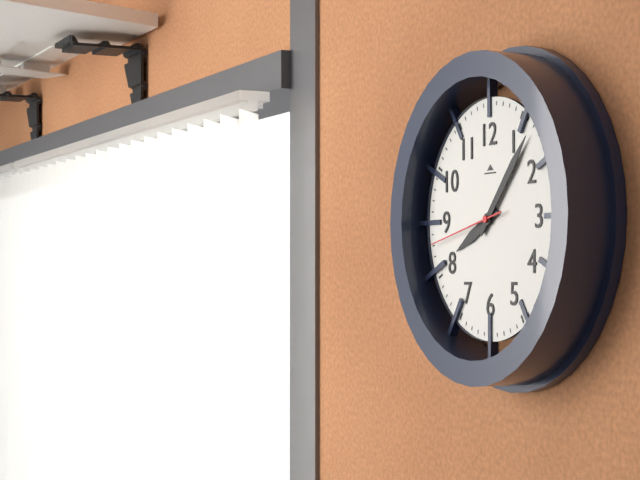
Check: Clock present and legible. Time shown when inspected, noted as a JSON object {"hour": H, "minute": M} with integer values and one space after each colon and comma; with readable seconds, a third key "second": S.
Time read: {"hour": 8, "minute": 7, "second": 43}
